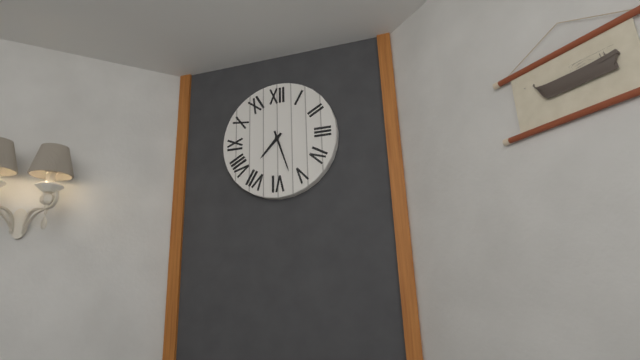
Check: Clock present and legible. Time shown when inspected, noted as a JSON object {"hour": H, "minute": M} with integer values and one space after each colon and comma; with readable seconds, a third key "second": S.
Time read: {"hour": 7, "minute": 27}
